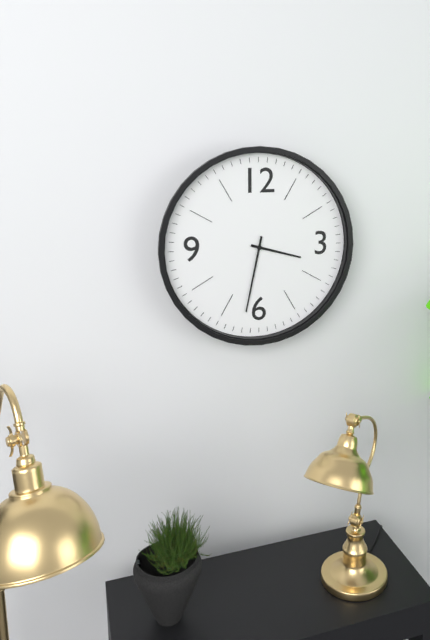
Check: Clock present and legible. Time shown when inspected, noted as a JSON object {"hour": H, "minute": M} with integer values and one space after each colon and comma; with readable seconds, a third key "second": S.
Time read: {"hour": 3, "minute": 32}
